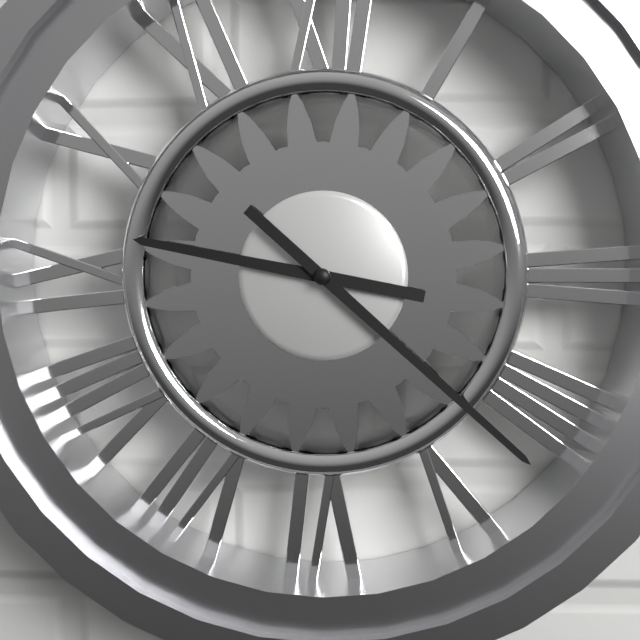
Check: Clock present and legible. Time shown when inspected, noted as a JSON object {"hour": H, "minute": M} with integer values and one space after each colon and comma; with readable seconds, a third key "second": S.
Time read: {"hour": 9, "minute": 22}
